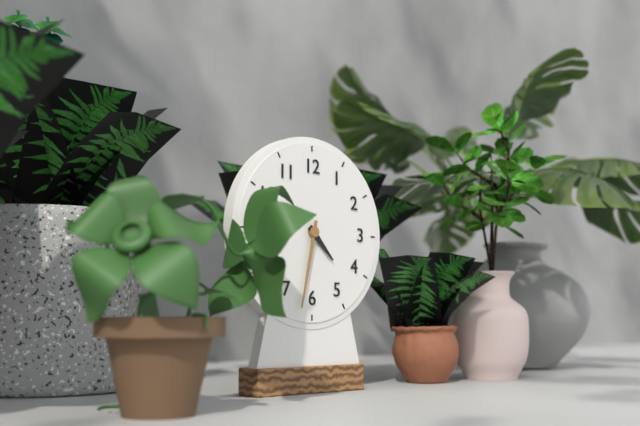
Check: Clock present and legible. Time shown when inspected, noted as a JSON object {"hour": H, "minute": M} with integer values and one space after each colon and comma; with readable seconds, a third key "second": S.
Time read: {"hour": 4, "minute": 32}
